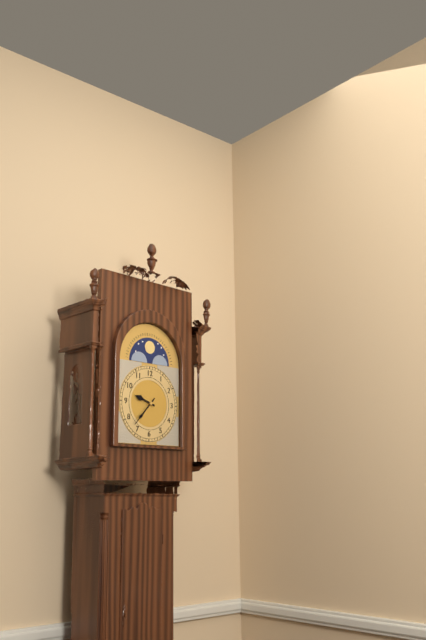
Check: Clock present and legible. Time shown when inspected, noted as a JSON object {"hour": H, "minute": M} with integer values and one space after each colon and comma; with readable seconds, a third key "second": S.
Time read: {"hour": 9, "minute": 37}
